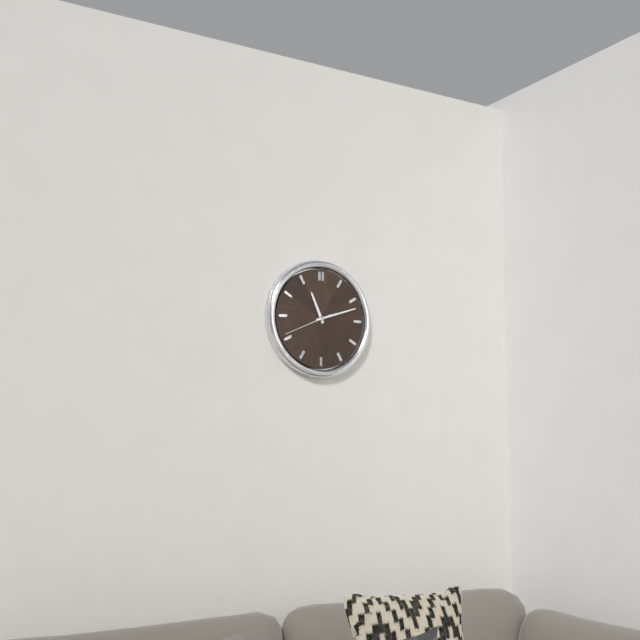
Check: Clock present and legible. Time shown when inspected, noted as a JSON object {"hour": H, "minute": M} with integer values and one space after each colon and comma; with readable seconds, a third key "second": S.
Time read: {"hour": 11, "minute": 12}
